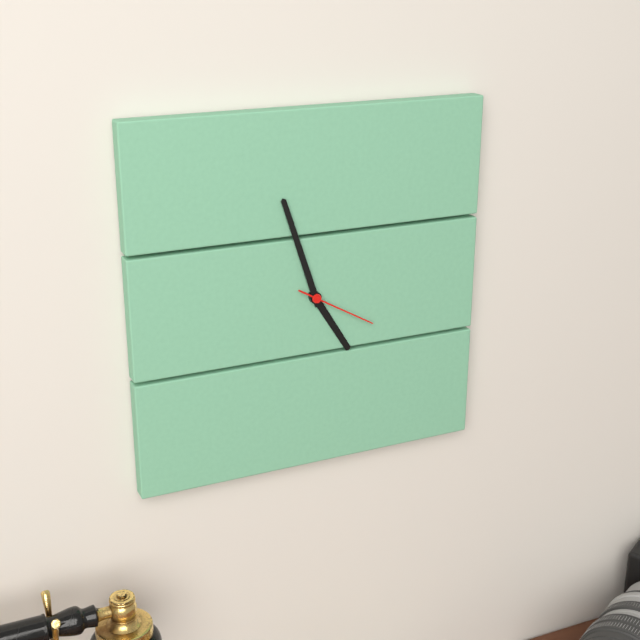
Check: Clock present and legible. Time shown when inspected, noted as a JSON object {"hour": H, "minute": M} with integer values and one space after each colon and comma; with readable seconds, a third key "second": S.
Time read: {"hour": 4, "minute": 57, "second": 20}
